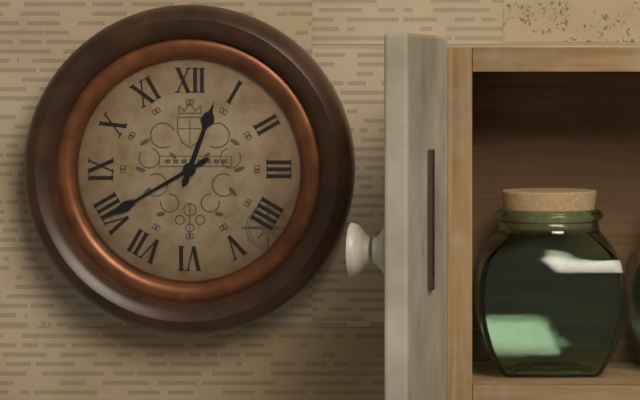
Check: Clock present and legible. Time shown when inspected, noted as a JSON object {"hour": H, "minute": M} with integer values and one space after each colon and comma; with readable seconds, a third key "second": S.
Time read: {"hour": 12, "minute": 40}
